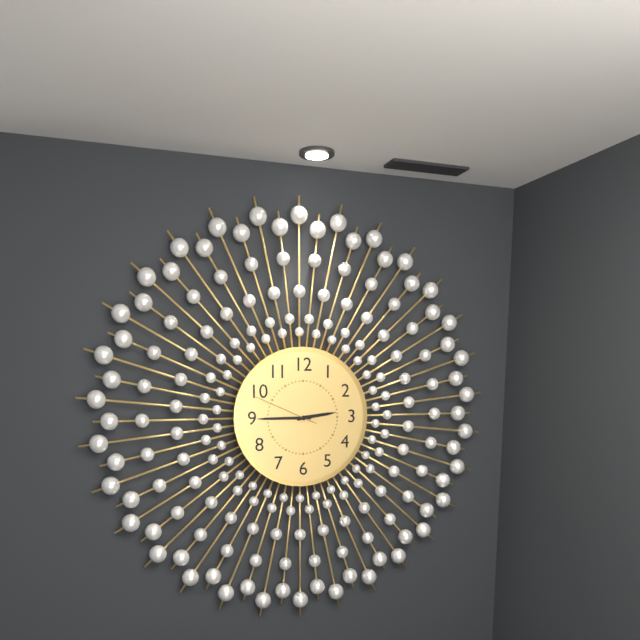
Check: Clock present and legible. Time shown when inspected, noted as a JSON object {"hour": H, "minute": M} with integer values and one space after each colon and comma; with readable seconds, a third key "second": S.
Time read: {"hour": 2, "minute": 45, "second": 49}
